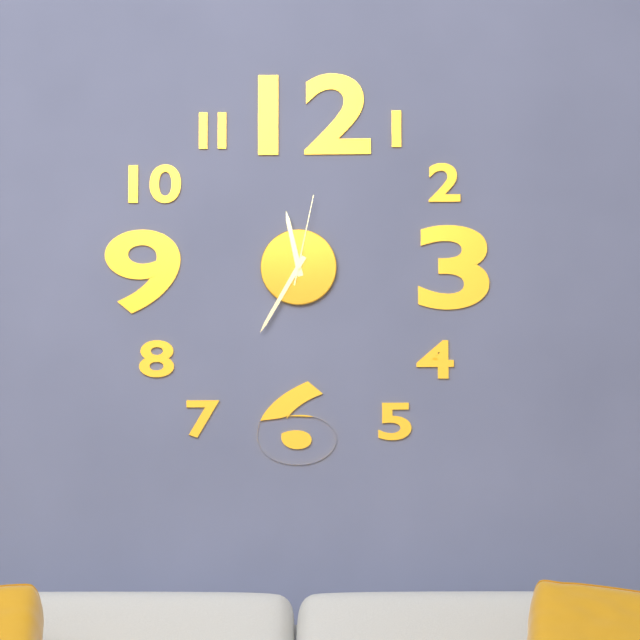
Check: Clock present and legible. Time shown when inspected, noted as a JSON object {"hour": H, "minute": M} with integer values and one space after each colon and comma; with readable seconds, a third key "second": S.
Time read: {"hour": 11, "minute": 35, "second": 2}
